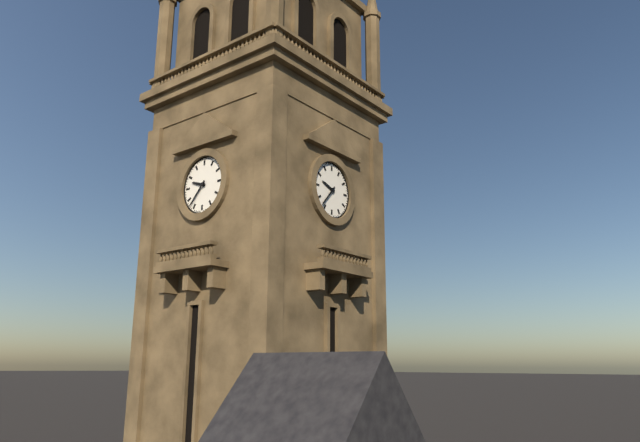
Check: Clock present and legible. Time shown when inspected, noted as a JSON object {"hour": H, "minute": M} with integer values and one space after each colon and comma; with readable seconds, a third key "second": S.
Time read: {"hour": 9, "minute": 37}
